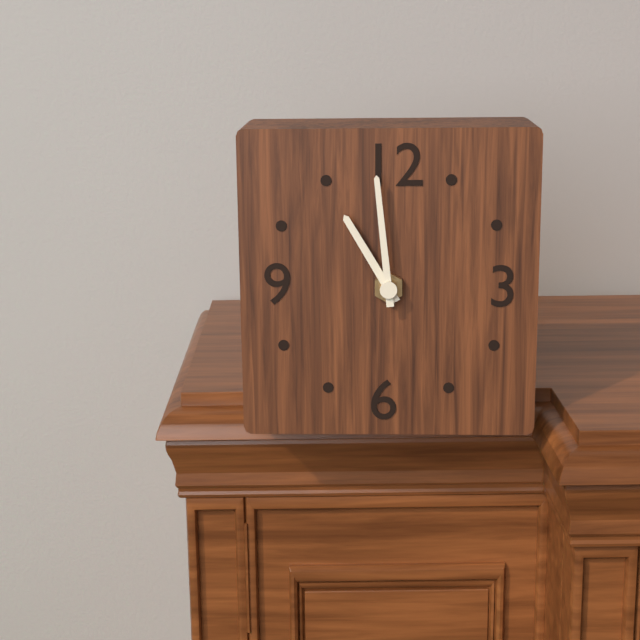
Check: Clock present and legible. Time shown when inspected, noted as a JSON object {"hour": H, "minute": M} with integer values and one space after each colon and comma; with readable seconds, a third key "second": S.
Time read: {"hour": 10, "minute": 59}
